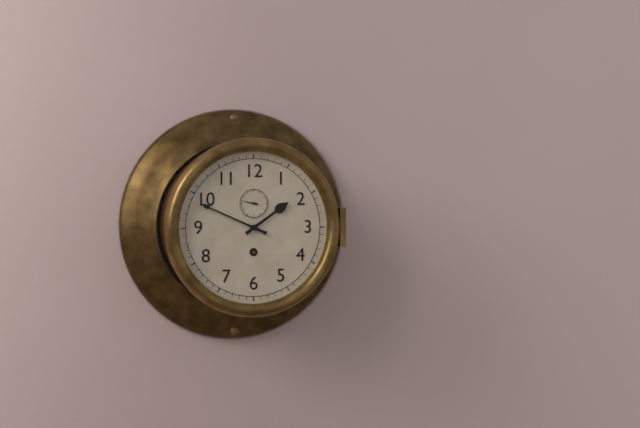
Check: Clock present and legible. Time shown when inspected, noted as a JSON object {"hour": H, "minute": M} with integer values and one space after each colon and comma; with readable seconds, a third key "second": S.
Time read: {"hour": 1, "minute": 49}
